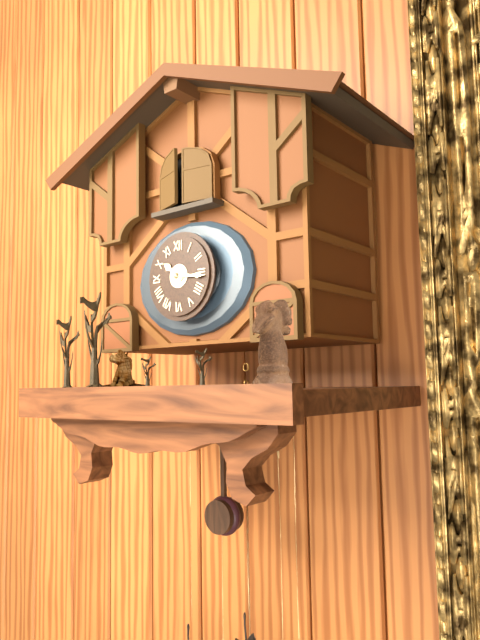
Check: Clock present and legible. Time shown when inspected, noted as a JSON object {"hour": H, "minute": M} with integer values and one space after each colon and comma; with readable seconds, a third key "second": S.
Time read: {"hour": 10, "minute": 16}
